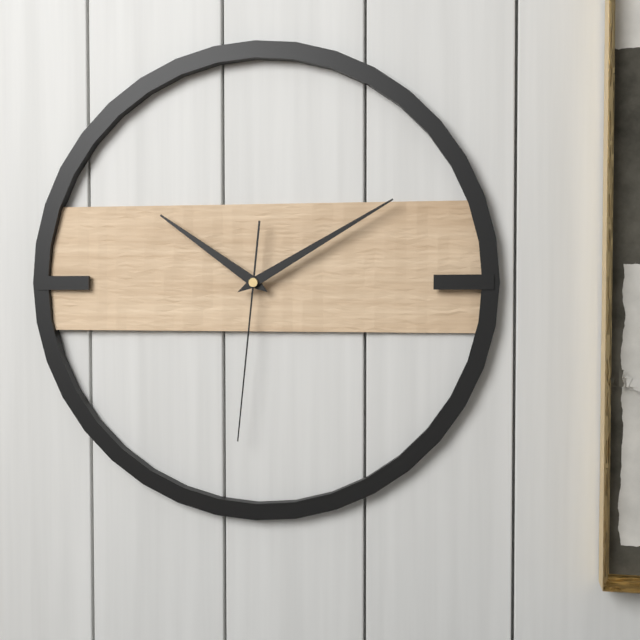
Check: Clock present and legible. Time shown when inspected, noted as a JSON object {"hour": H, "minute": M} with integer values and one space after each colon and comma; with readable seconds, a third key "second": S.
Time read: {"hour": 10, "minute": 10, "second": 31}
